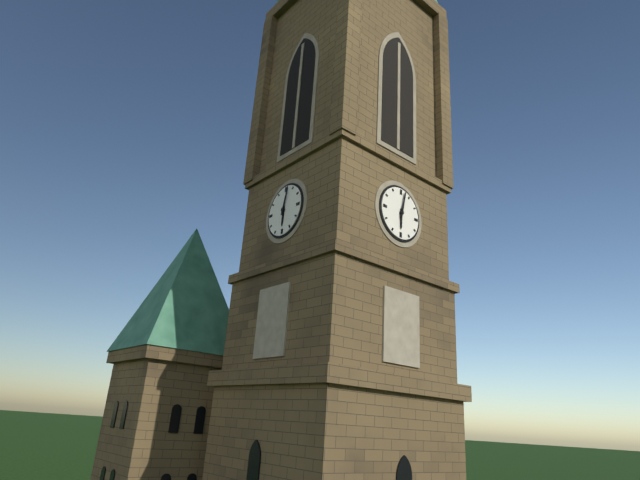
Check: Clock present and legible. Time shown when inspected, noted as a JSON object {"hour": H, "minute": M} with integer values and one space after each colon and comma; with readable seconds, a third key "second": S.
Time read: {"hour": 6, "minute": 2}
